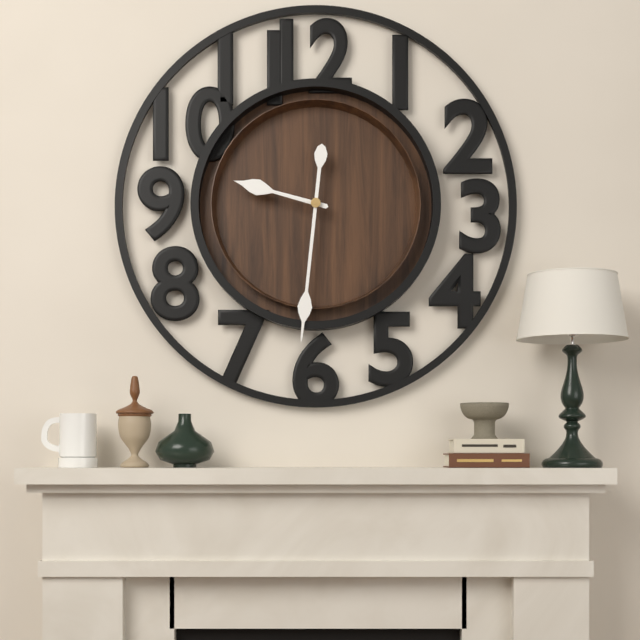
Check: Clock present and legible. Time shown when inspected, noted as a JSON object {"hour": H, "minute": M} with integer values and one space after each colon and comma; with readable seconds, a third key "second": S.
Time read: {"hour": 9, "minute": 31}
